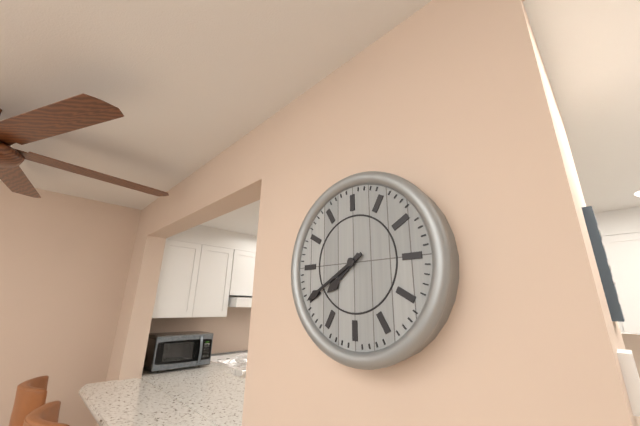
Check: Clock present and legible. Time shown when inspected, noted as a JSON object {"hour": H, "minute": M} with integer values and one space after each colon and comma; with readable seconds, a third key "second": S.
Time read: {"hour": 7, "minute": 40}
